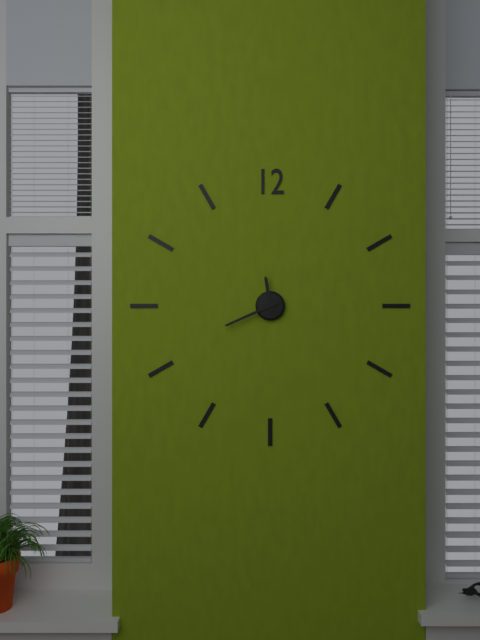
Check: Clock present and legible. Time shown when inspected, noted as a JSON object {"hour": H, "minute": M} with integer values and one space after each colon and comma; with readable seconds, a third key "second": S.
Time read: {"hour": 11, "minute": 41}
